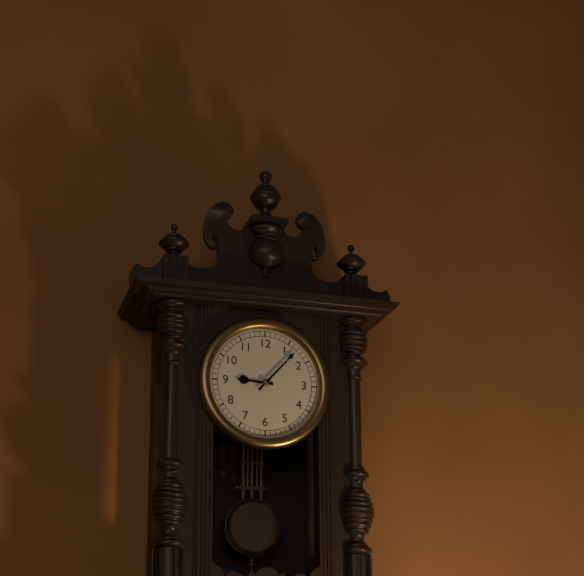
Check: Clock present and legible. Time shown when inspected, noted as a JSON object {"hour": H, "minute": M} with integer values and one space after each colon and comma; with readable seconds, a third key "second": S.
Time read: {"hour": 9, "minute": 7}
